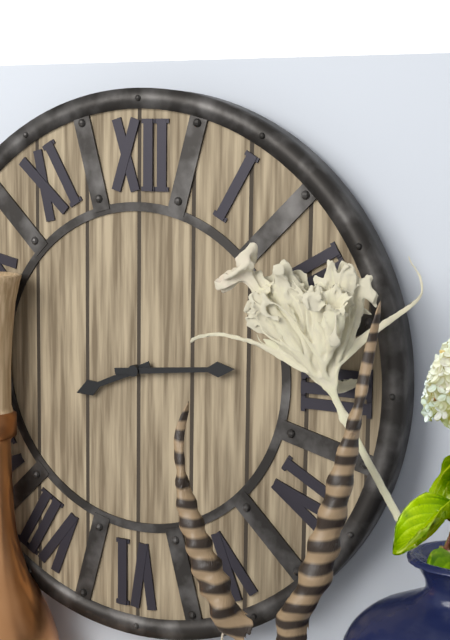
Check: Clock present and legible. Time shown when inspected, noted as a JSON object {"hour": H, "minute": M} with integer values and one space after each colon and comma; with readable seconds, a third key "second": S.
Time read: {"hour": 8, "minute": 14}
